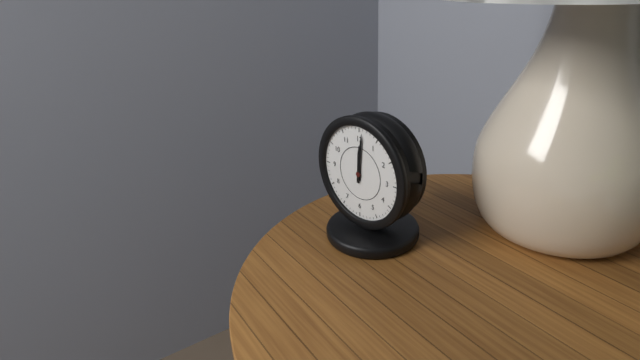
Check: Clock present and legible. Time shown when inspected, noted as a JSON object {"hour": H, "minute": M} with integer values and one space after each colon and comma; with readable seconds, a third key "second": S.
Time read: {"hour": 12, "minute": 1}
